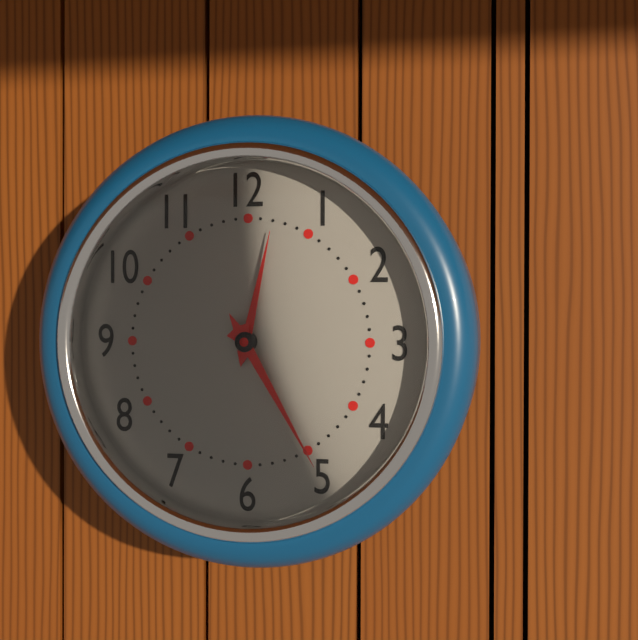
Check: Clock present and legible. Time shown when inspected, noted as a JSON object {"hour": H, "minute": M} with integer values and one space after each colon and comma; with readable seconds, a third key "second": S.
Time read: {"hour": 12, "minute": 25}
